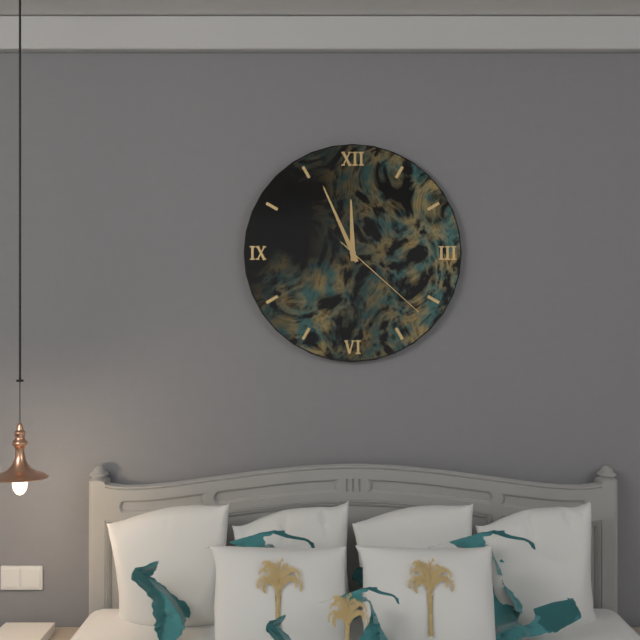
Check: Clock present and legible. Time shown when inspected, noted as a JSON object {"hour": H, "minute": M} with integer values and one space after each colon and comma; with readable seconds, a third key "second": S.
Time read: {"hour": 11, "minute": 56, "second": 22}
